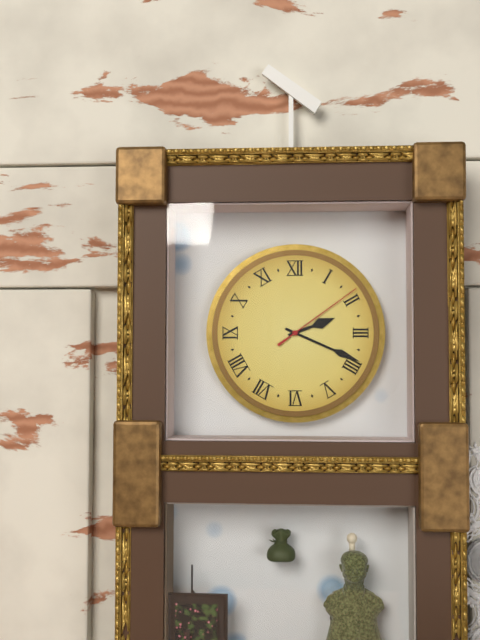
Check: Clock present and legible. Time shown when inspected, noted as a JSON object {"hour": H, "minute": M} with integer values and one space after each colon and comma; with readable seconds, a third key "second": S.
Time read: {"hour": 2, "minute": 19, "second": 9}
